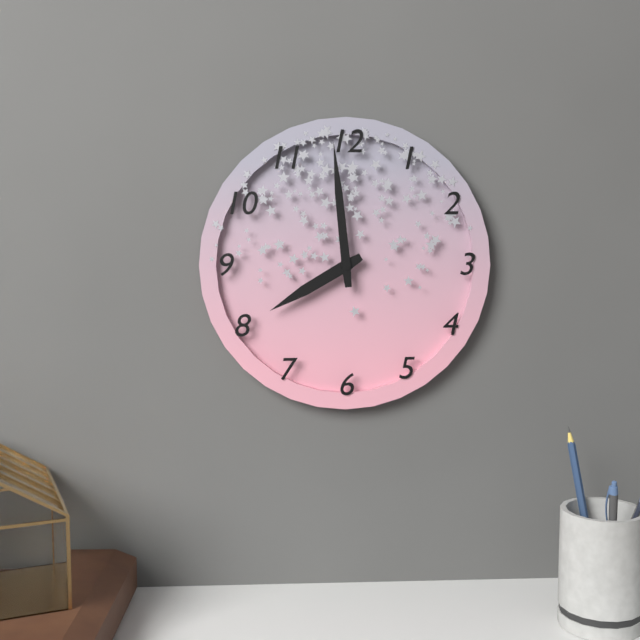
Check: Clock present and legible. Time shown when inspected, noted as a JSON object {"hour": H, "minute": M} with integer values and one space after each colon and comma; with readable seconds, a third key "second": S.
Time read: {"hour": 7, "minute": 59}
